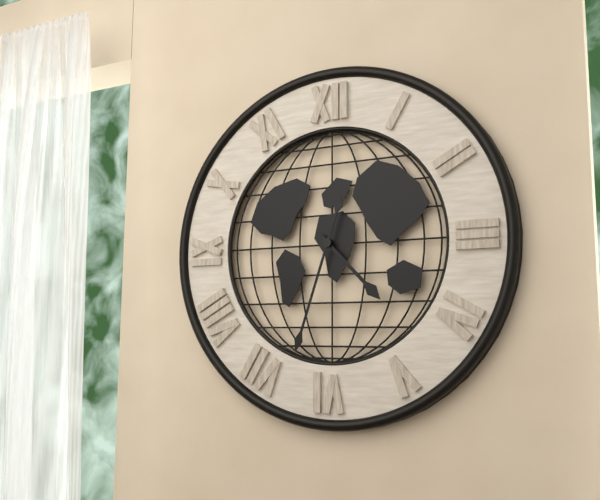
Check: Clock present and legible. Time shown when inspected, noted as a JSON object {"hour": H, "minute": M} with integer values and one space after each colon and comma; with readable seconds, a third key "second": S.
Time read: {"hour": 4, "minute": 33}
